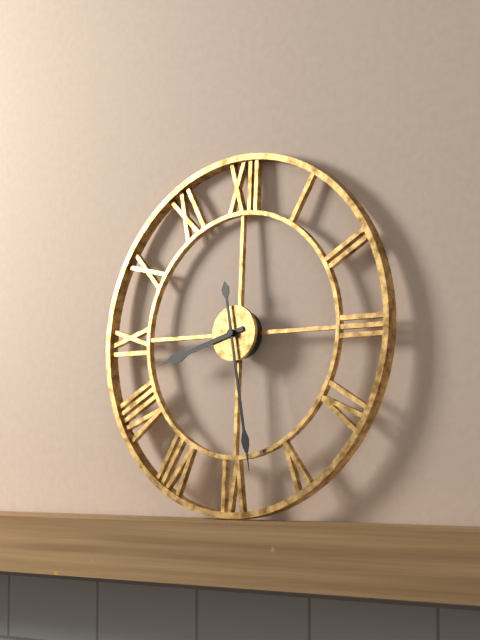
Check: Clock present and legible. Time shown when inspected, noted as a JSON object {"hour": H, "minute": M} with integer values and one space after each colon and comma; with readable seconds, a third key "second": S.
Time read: {"hour": 8, "minute": 28}
